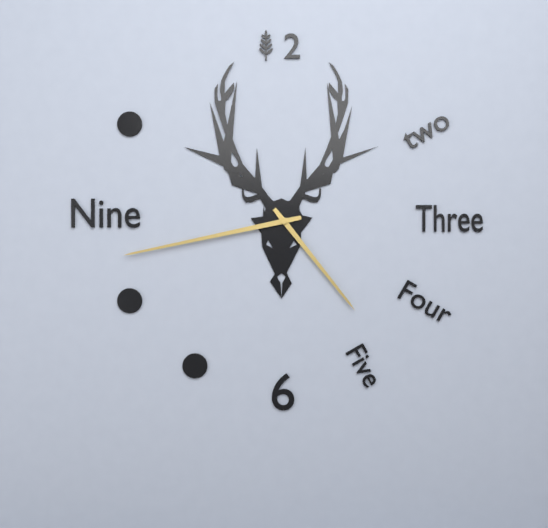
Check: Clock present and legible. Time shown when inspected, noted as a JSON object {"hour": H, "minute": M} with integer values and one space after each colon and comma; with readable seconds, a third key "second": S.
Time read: {"hour": 4, "minute": 43}
